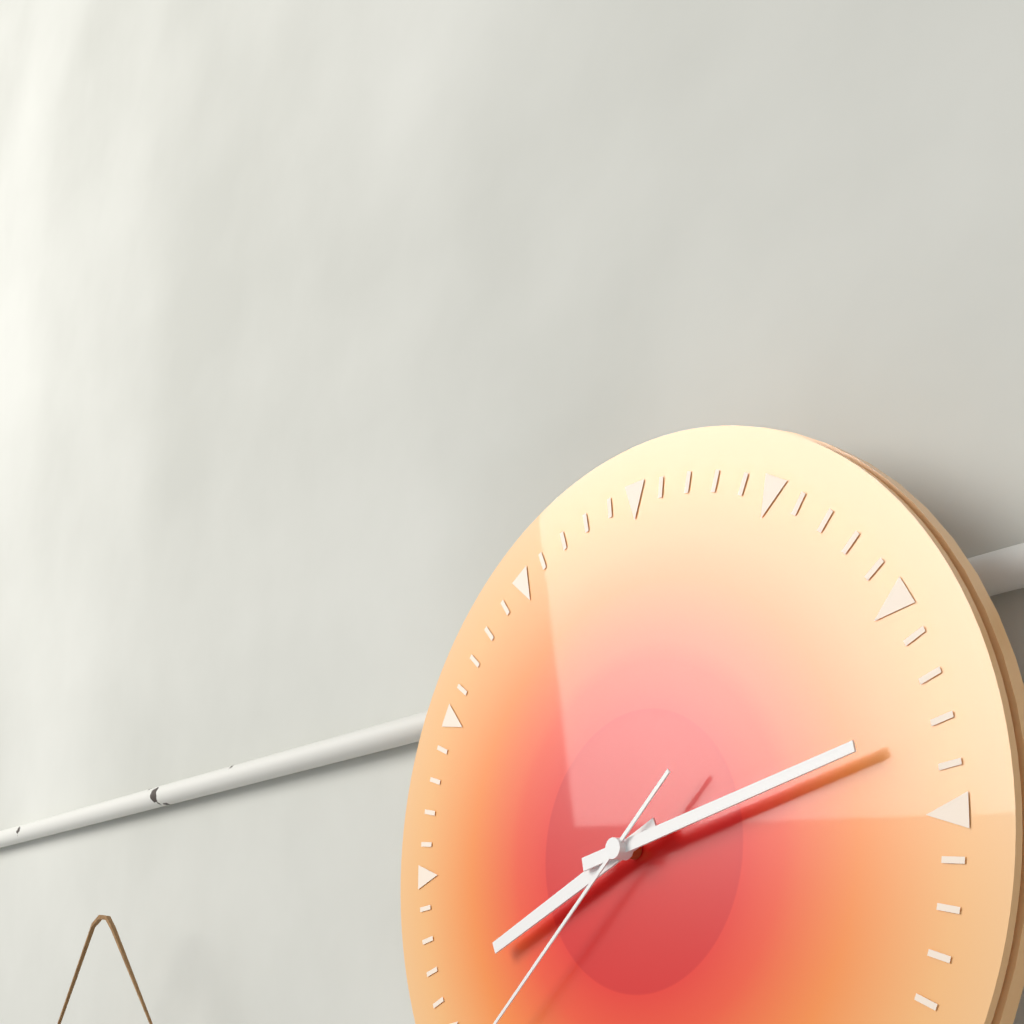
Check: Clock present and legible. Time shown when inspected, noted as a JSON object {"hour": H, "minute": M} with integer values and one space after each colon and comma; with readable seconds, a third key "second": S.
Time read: {"hour": 8, "minute": 13}
